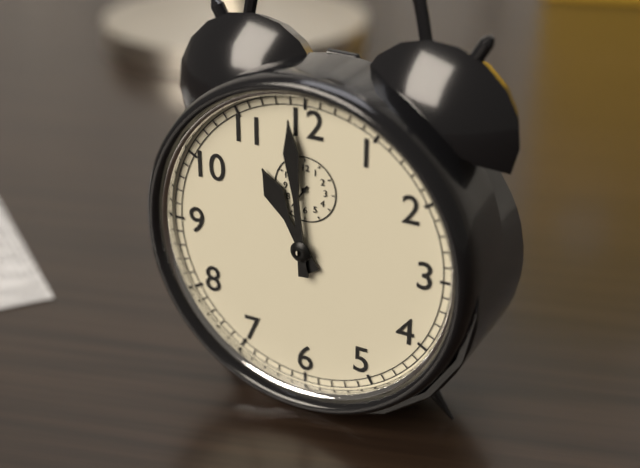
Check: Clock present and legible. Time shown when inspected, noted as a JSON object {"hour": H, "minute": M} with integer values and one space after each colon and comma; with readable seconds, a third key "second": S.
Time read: {"hour": 10, "minute": 59}
